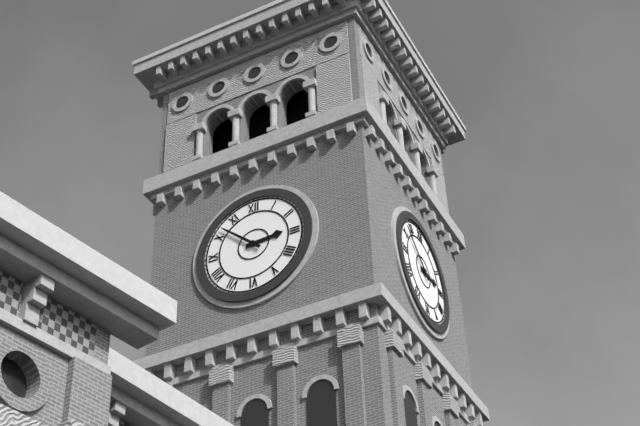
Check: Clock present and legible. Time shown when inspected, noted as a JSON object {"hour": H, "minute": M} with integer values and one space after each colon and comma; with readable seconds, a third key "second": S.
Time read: {"hour": 2, "minute": 52}
